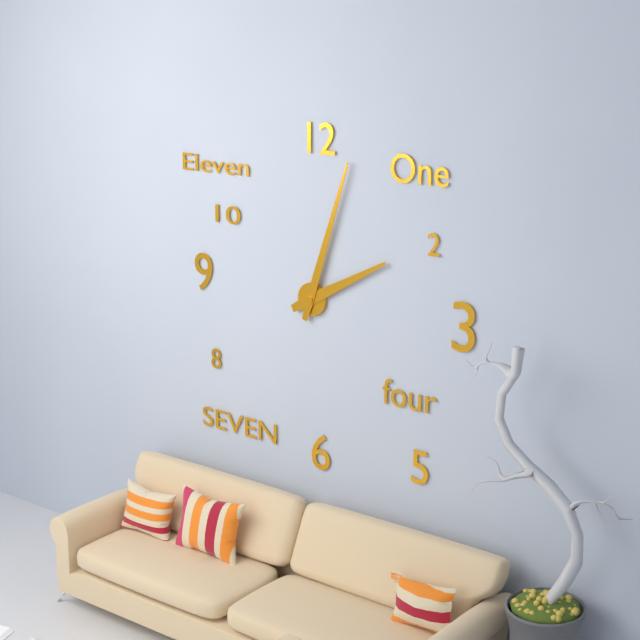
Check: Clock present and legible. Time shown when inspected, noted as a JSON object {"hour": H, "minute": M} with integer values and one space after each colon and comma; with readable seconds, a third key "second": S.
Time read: {"hour": 2, "minute": 3}
